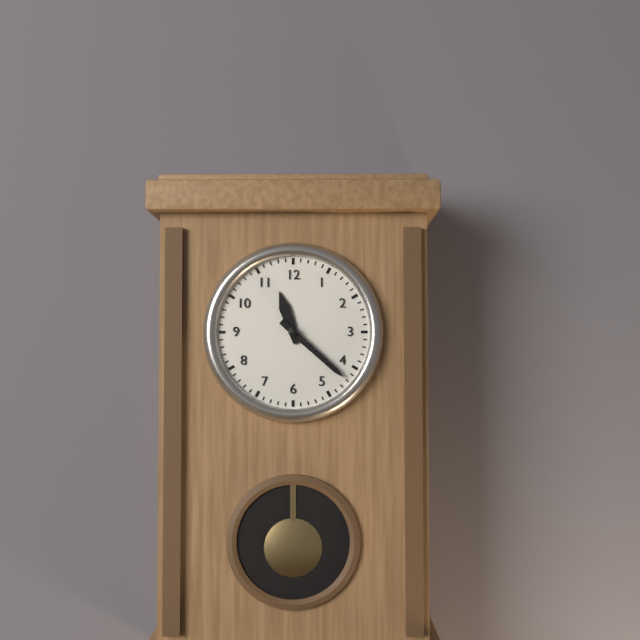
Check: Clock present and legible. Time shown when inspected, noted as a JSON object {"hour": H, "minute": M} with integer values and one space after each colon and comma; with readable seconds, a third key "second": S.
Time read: {"hour": 11, "minute": 22}
